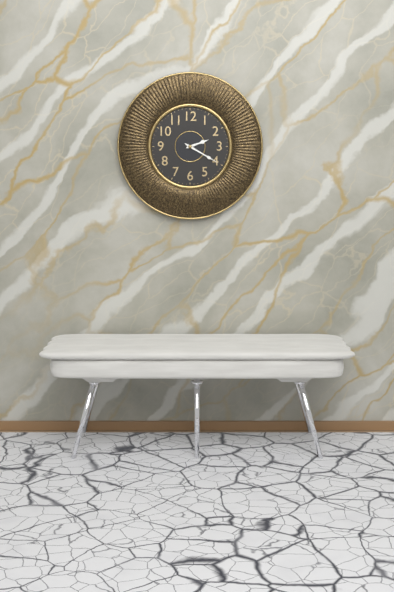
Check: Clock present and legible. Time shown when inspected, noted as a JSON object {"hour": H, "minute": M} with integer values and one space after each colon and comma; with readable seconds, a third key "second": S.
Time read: {"hour": 2, "minute": 20}
